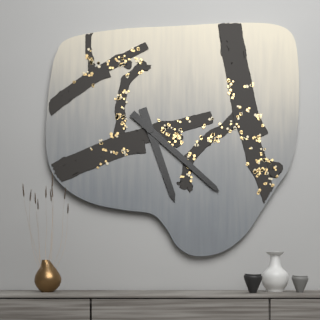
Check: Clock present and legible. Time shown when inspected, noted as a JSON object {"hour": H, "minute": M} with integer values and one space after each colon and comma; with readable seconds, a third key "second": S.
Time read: {"hour": 5, "minute": 22}
